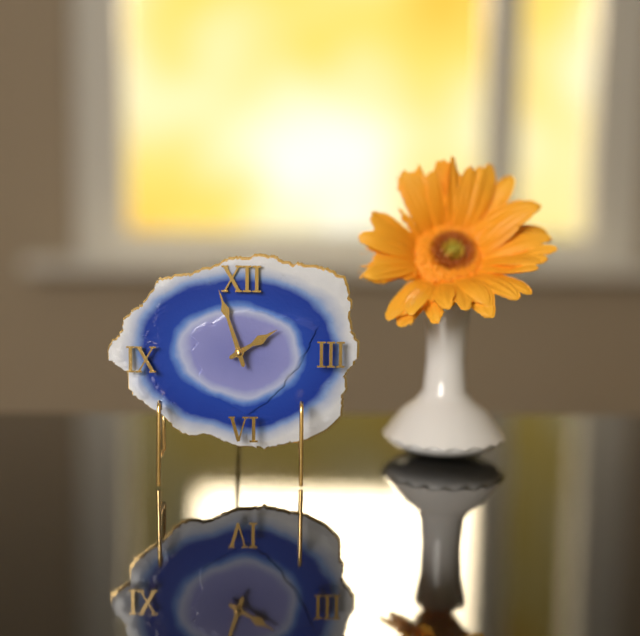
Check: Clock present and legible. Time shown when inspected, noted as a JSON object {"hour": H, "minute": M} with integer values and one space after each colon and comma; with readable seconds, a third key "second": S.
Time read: {"hour": 1, "minute": 57}
